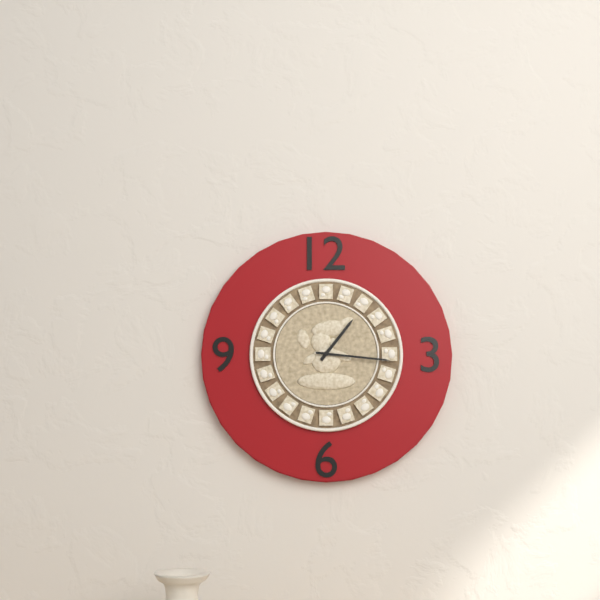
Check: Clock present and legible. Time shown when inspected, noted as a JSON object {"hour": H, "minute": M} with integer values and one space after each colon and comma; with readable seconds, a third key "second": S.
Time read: {"hour": 1, "minute": 16}
